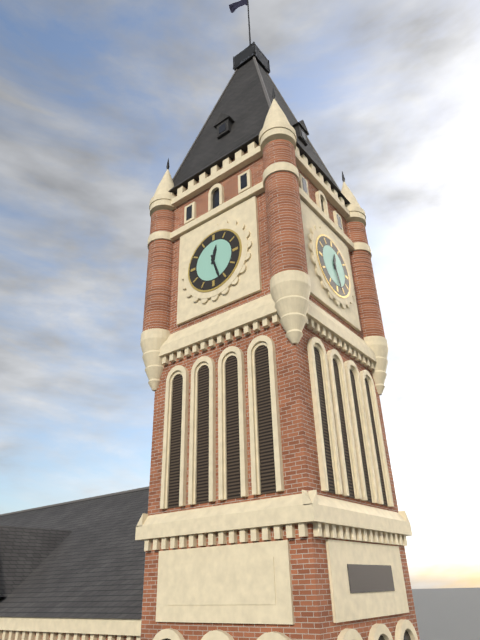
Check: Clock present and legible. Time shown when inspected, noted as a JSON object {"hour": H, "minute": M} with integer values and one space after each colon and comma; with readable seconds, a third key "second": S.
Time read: {"hour": 12, "minute": 27}
